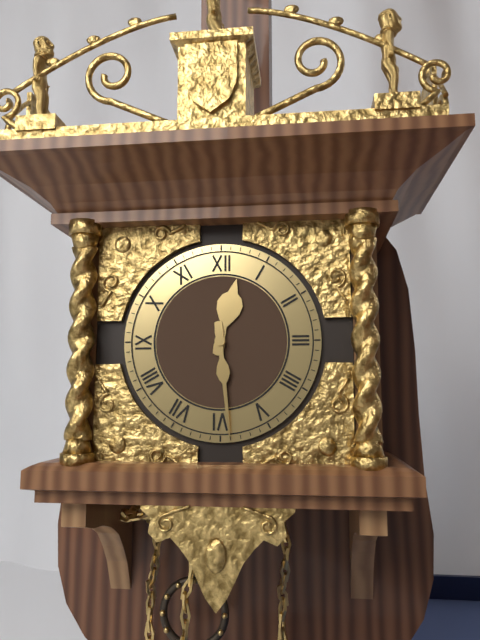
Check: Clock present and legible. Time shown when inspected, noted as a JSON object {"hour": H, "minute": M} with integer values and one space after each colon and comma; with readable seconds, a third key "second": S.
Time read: {"hour": 12, "minute": 29}
